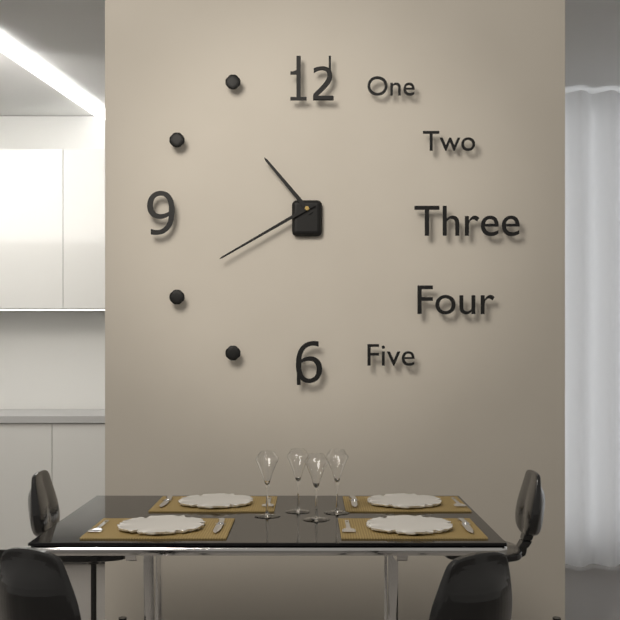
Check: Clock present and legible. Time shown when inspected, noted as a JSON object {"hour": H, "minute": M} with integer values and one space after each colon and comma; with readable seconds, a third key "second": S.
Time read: {"hour": 10, "minute": 40}
